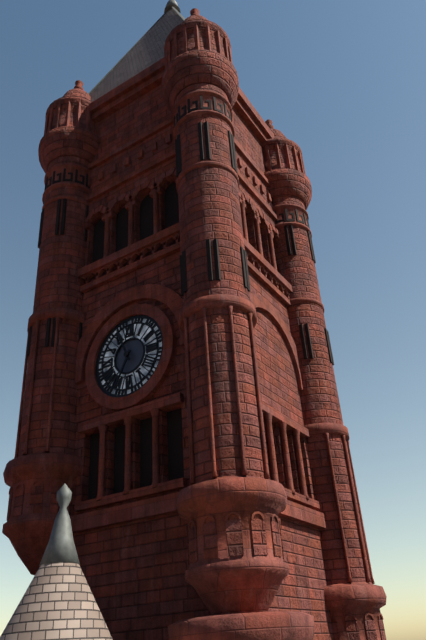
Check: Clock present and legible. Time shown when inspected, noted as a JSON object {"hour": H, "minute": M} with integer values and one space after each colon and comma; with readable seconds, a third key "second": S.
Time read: {"hour": 6, "minute": 56}
